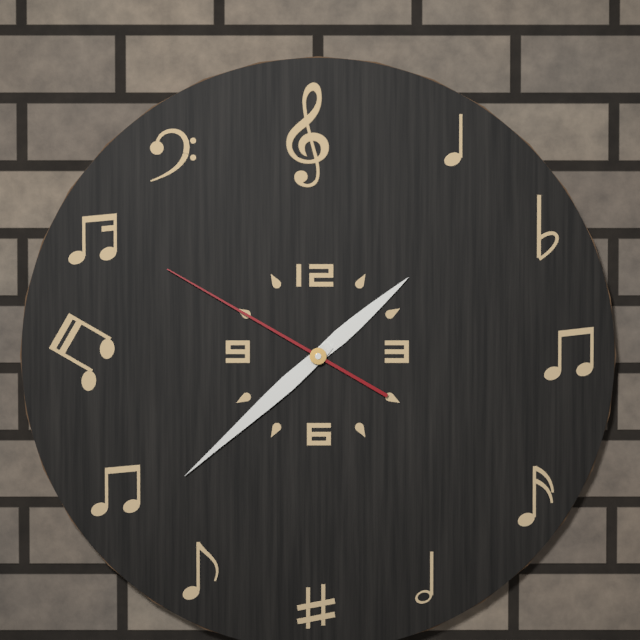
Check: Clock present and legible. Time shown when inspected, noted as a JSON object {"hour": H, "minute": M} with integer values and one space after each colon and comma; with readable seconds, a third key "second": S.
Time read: {"hour": 1, "minute": 38, "second": 50}
